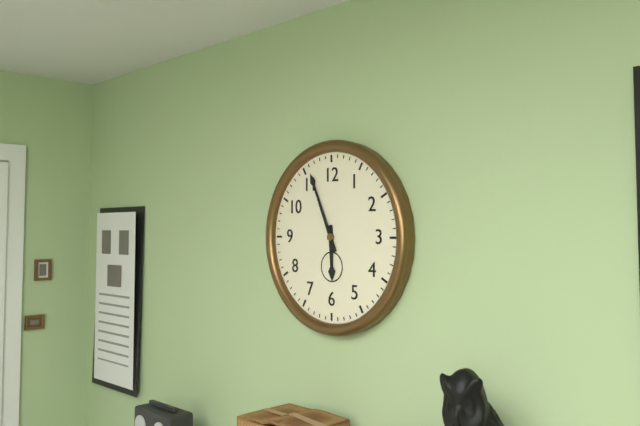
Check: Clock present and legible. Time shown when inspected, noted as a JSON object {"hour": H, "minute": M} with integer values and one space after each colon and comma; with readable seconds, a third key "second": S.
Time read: {"hour": 5, "minute": 56}
